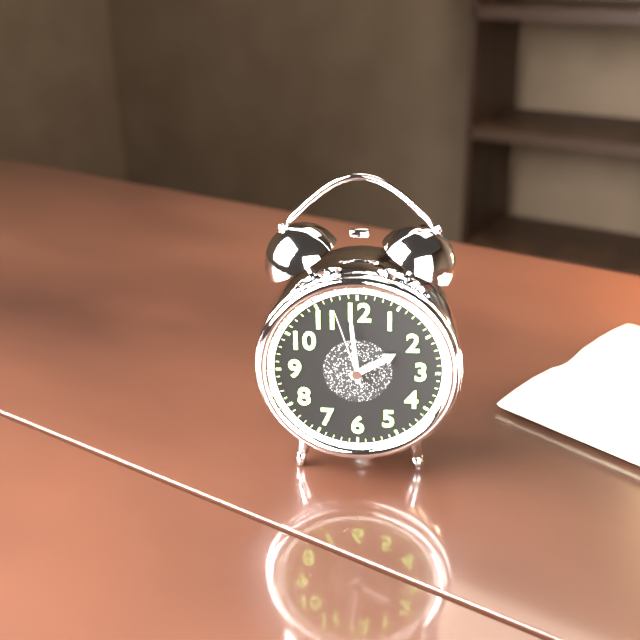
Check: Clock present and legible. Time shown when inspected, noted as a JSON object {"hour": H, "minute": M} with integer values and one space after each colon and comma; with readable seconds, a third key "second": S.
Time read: {"hour": 1, "minute": 59, "second": 57}
